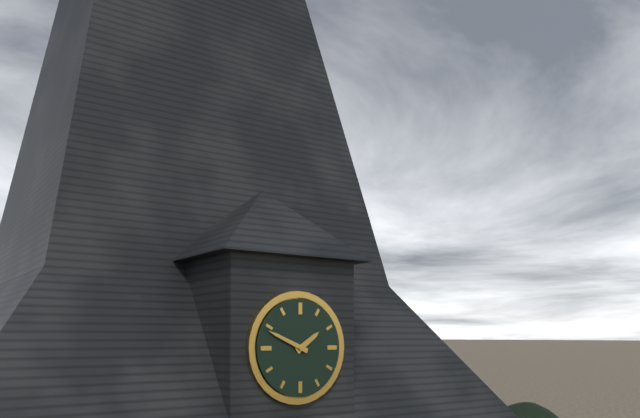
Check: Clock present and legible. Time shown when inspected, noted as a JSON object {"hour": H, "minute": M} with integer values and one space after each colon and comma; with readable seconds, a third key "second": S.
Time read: {"hour": 1, "minute": 49}
